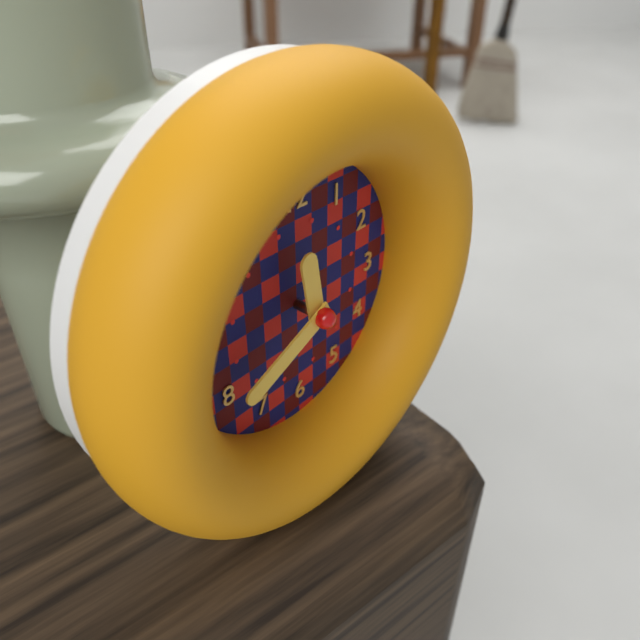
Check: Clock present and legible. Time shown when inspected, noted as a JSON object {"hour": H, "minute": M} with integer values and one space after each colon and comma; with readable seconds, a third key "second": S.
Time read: {"hour": 11, "minute": 41}
